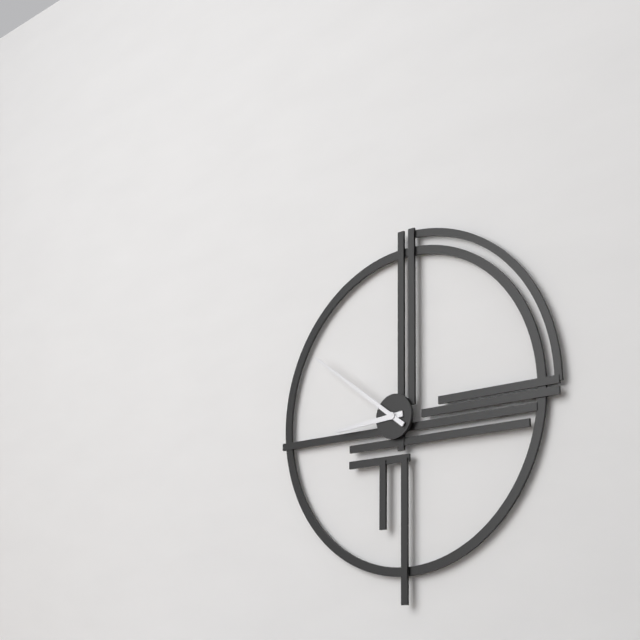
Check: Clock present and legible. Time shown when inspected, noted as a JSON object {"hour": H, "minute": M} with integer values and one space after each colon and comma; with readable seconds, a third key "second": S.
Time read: {"hour": 8, "minute": 51}
